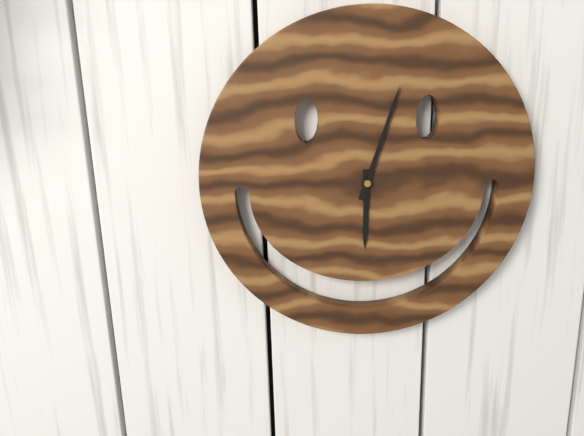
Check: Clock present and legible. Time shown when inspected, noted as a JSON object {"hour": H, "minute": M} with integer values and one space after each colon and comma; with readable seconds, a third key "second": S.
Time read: {"hour": 6, "minute": 3}
